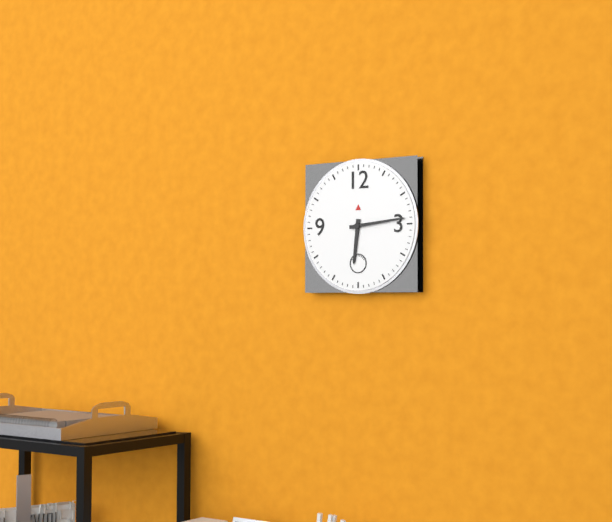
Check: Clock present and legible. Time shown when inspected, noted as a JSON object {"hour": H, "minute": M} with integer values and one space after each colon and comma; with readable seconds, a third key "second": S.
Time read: {"hour": 6, "minute": 14}
